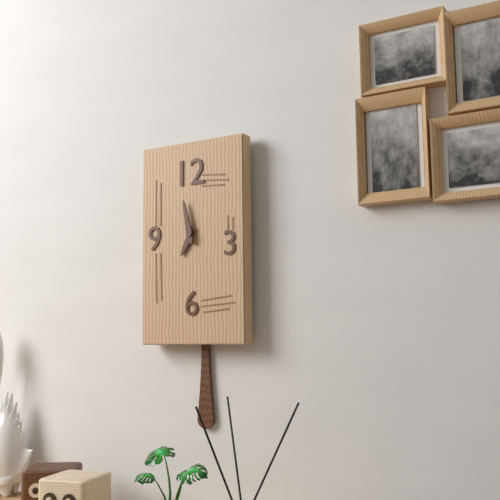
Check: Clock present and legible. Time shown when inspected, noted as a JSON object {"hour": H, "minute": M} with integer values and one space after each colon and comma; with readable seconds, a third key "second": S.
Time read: {"hour": 6, "minute": 58}
